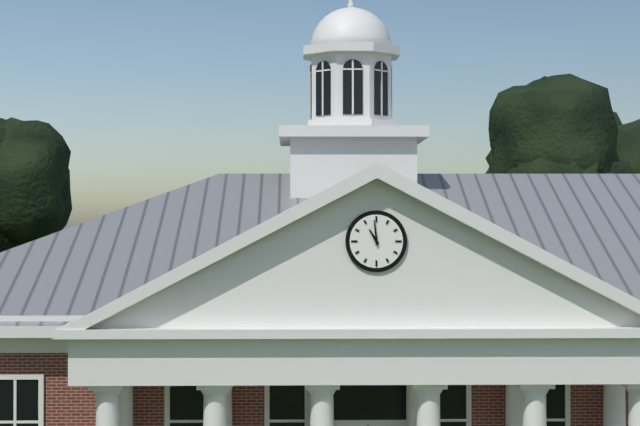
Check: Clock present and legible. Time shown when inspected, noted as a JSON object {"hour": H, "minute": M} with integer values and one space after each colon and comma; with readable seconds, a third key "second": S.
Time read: {"hour": 10, "minute": 59}
